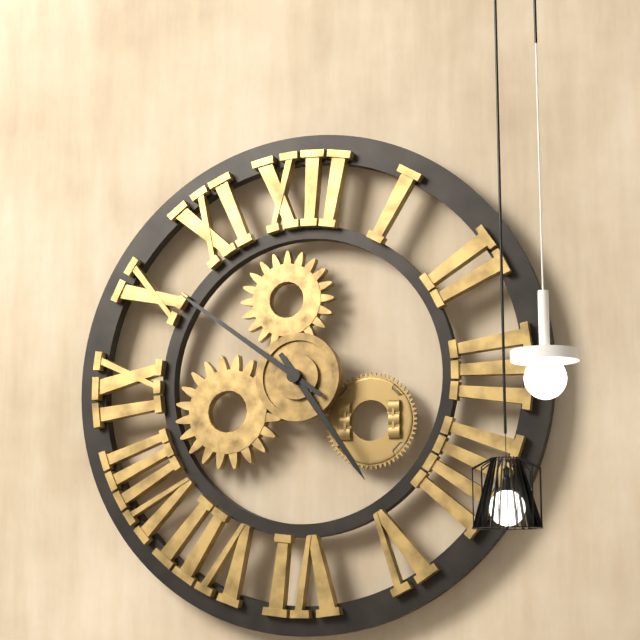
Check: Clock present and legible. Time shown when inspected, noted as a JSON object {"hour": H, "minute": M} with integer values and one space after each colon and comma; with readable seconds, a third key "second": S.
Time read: {"hour": 4, "minute": 51}
